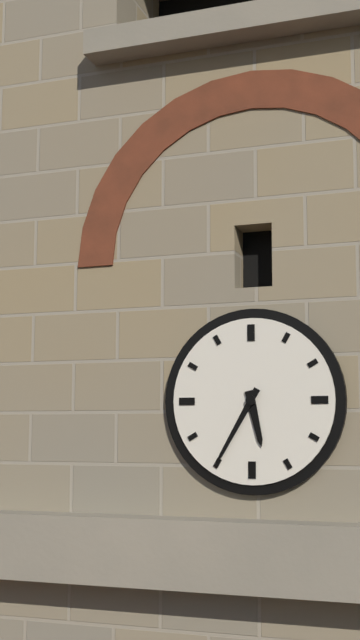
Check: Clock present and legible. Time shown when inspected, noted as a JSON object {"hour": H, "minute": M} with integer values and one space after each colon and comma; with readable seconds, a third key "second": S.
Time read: {"hour": 5, "minute": 35}
